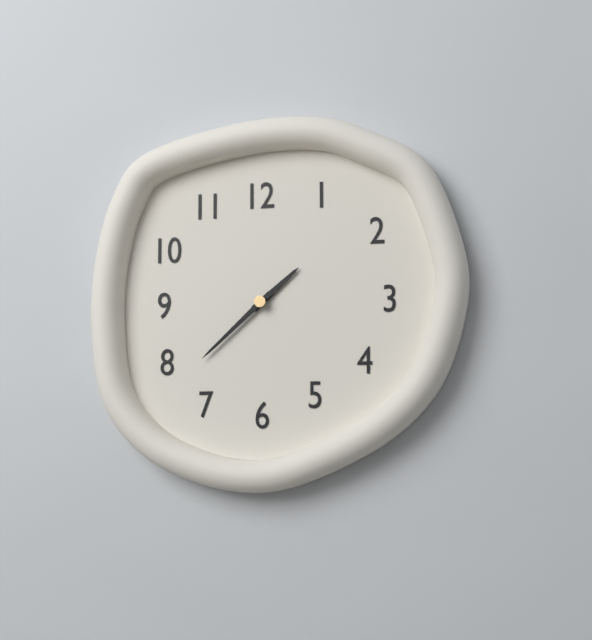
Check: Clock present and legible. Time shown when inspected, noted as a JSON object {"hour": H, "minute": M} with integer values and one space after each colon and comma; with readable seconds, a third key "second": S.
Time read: {"hour": 1, "minute": 38}
